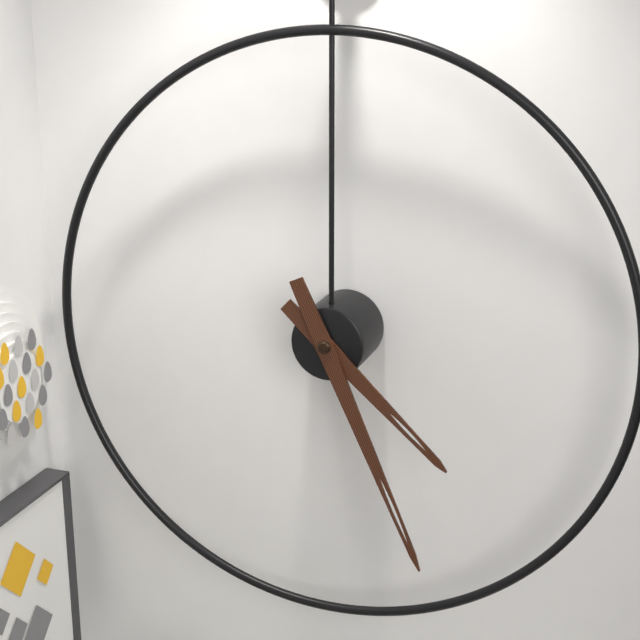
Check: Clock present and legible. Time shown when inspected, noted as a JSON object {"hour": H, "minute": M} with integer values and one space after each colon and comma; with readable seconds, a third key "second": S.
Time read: {"hour": 4, "minute": 26}
